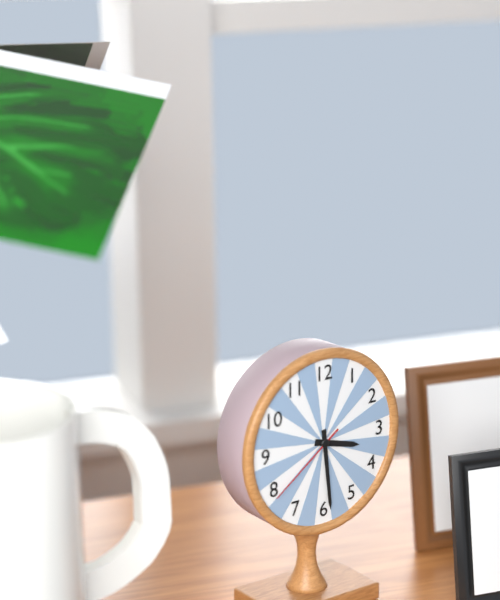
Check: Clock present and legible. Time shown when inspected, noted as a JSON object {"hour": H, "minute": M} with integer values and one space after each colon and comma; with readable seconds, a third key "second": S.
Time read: {"hour": 3, "minute": 29, "second": 39}
